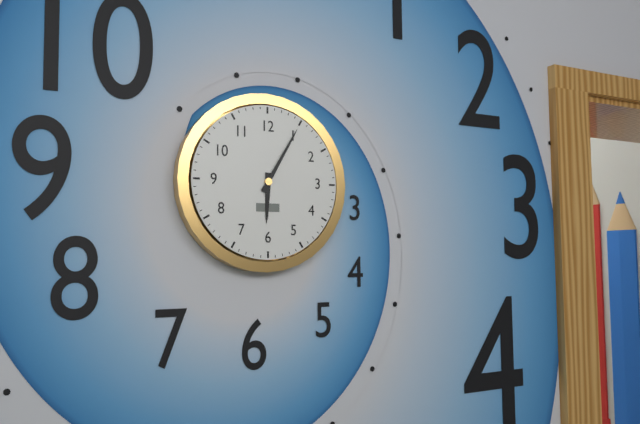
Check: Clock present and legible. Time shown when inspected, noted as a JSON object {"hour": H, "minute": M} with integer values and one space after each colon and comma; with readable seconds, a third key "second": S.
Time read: {"hour": 6, "minute": 5}
